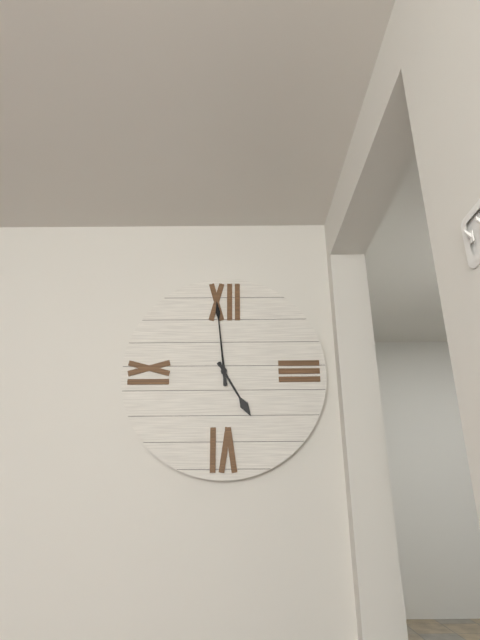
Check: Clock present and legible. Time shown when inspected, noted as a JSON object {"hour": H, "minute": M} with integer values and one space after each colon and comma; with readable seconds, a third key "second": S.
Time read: {"hour": 4, "minute": 59}
